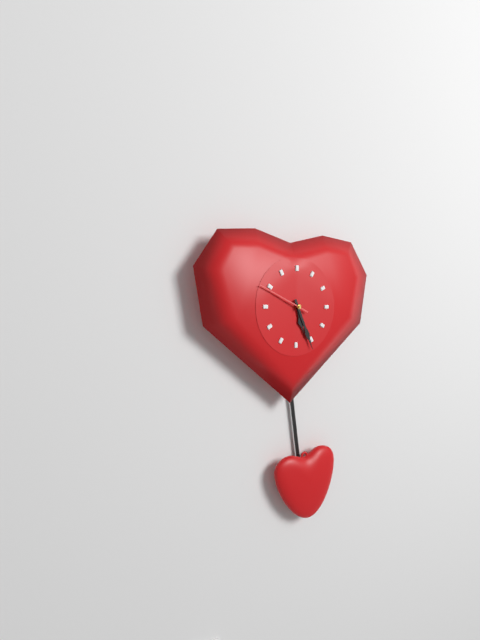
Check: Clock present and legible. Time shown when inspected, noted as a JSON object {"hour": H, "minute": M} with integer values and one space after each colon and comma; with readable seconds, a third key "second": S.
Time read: {"hour": 5, "minute": 26, "second": 49}
